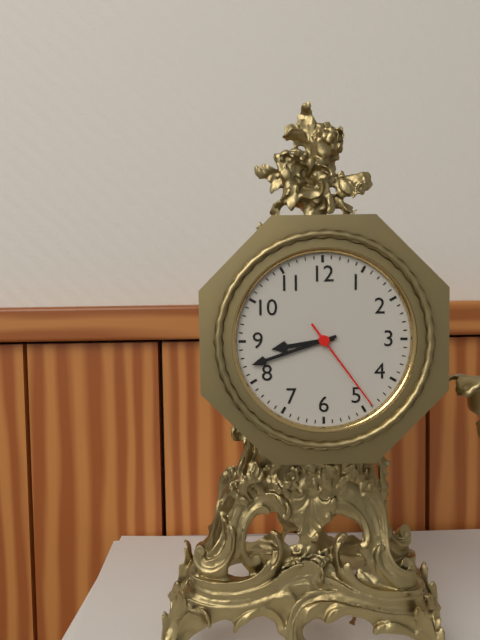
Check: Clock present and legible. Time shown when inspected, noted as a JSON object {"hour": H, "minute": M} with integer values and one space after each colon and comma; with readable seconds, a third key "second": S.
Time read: {"hour": 8, "minute": 42, "second": 24}
